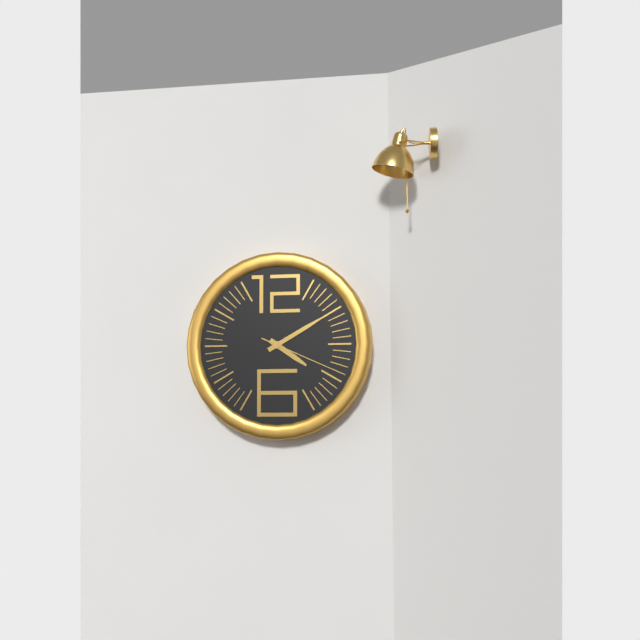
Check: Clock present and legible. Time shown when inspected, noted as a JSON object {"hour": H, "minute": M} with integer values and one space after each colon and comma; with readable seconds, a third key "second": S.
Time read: {"hour": 4, "minute": 10, "second": 19}
